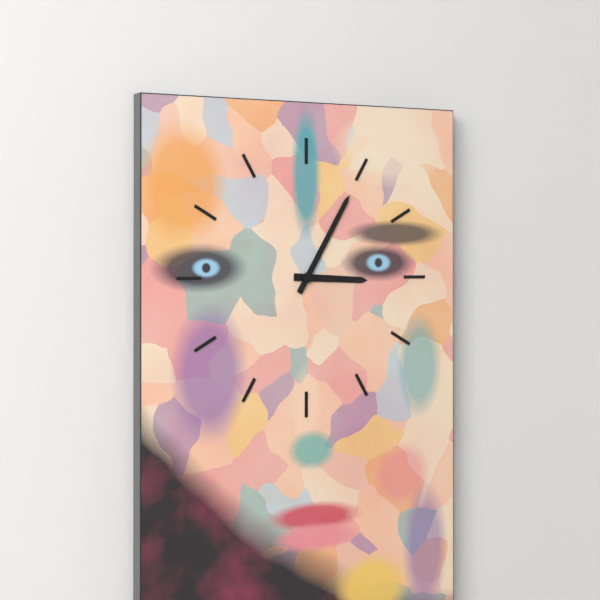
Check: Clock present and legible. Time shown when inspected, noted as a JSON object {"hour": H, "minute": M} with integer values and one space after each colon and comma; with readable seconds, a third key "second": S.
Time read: {"hour": 3, "minute": 5}
